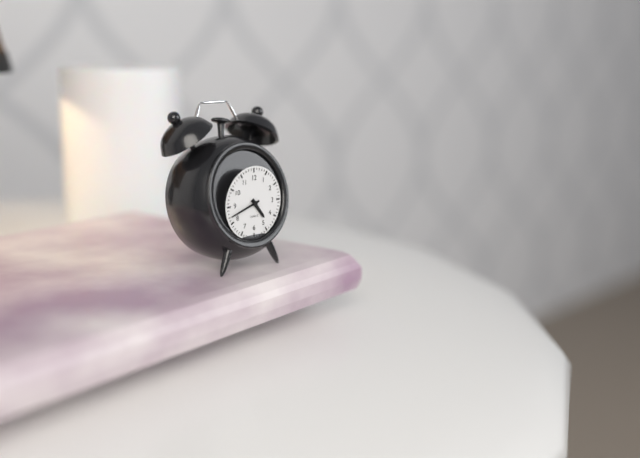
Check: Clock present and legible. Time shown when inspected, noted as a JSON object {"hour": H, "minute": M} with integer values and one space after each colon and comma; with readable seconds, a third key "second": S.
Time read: {"hour": 4, "minute": 42}
